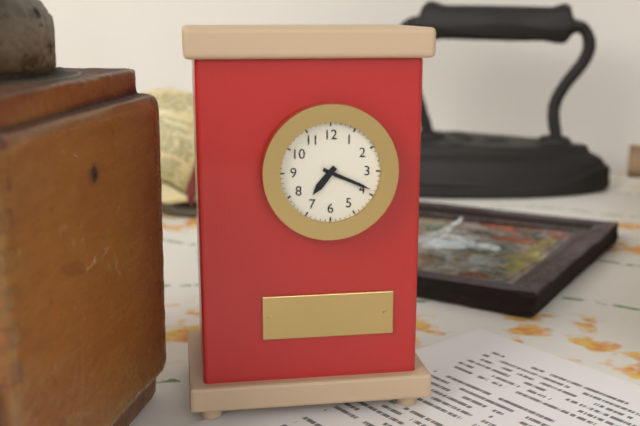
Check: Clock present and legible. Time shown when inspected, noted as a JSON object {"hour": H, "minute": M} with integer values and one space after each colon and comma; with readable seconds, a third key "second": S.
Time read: {"hour": 7, "minute": 19}
